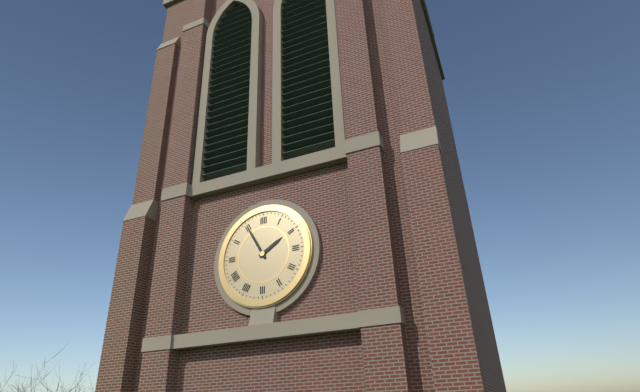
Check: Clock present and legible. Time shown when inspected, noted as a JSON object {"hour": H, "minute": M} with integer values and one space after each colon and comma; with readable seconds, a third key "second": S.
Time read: {"hour": 1, "minute": 55}
